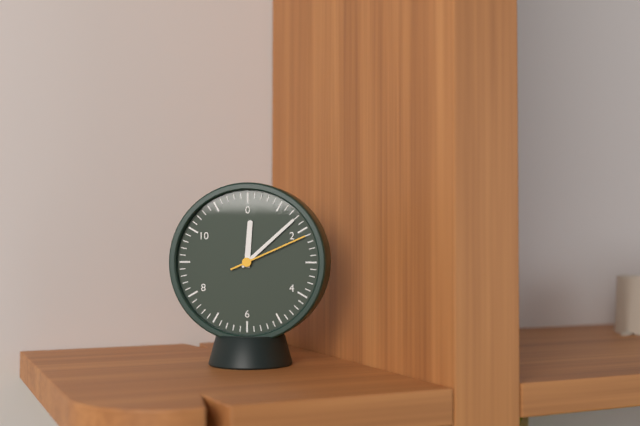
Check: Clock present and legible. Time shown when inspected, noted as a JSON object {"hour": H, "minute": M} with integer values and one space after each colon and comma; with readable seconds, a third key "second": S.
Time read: {"hour": 12, "minute": 8, "second": 11}
